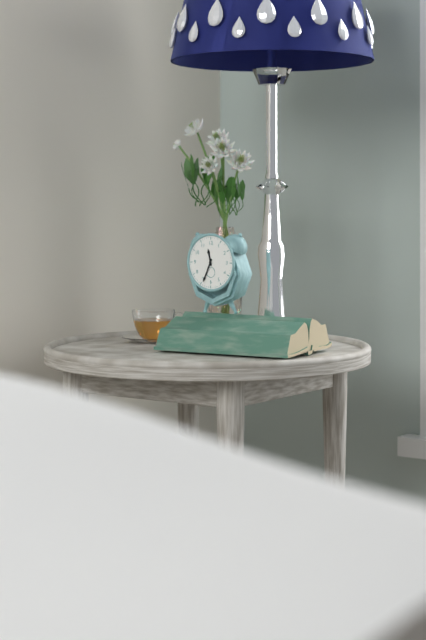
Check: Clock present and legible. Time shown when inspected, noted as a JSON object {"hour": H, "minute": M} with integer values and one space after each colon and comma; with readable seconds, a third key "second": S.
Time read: {"hour": 11, "minute": 34}
